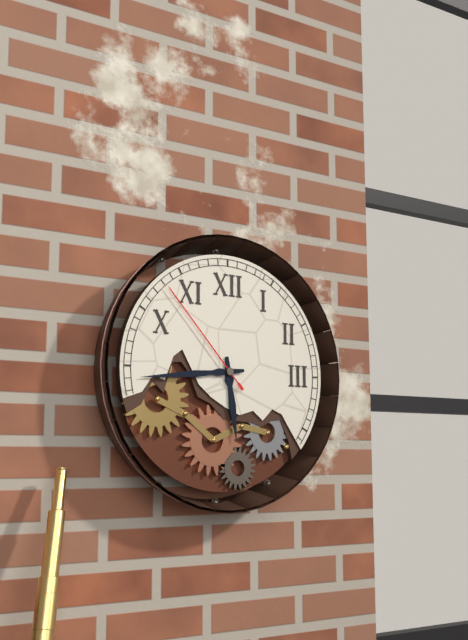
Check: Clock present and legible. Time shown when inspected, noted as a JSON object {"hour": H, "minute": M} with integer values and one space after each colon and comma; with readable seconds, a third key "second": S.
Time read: {"hour": 5, "minute": 44, "second": 53}
